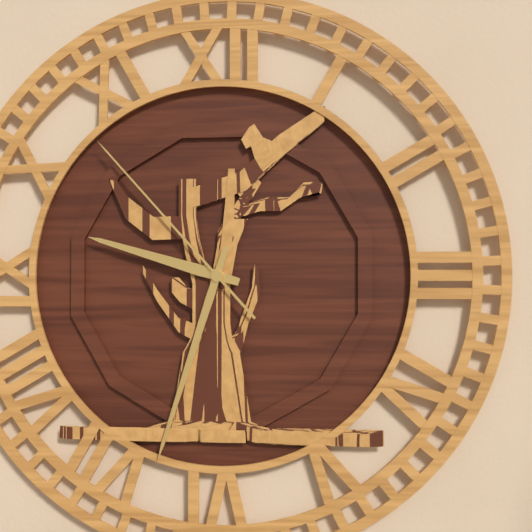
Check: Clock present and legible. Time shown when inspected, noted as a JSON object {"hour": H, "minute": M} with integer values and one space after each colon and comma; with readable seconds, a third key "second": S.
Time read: {"hour": 9, "minute": 33, "second": 53}
